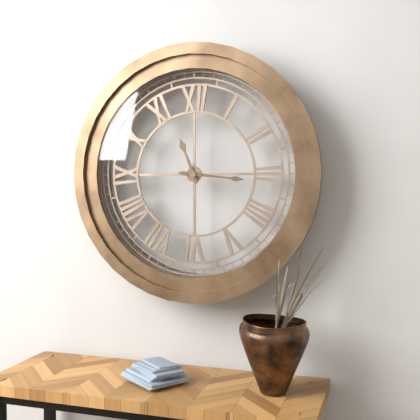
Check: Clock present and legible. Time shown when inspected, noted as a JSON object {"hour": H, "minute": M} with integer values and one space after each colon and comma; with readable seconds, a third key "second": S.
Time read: {"hour": 11, "minute": 16}
